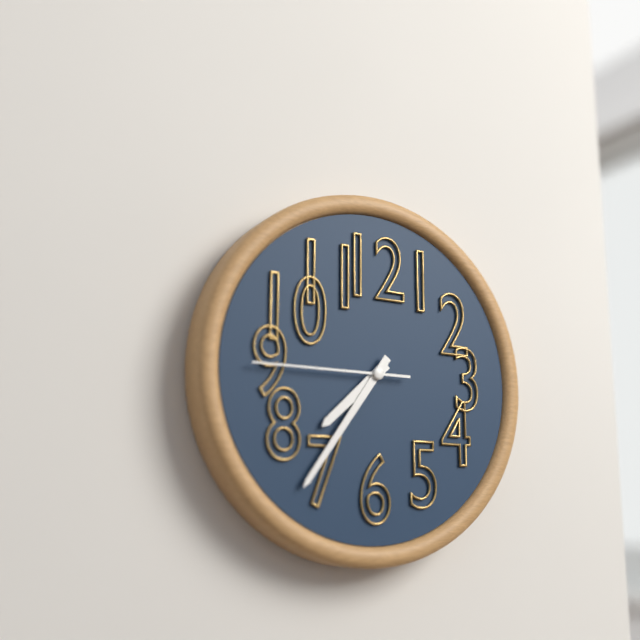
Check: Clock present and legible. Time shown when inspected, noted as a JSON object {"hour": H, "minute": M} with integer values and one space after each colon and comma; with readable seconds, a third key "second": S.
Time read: {"hour": 7, "minute": 36, "second": 45}
